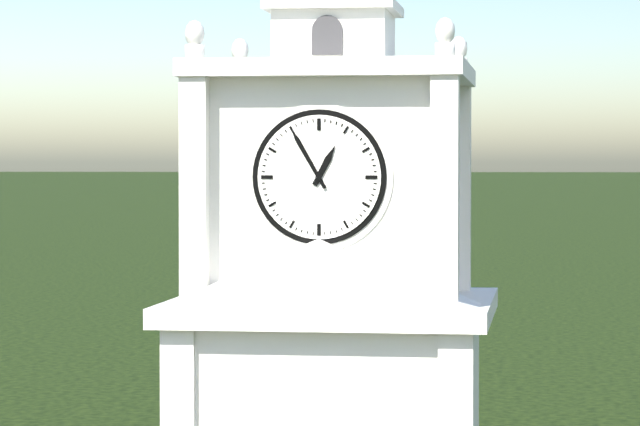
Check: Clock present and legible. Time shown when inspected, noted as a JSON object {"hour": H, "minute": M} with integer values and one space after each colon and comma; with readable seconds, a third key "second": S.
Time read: {"hour": 12, "minute": 55}
